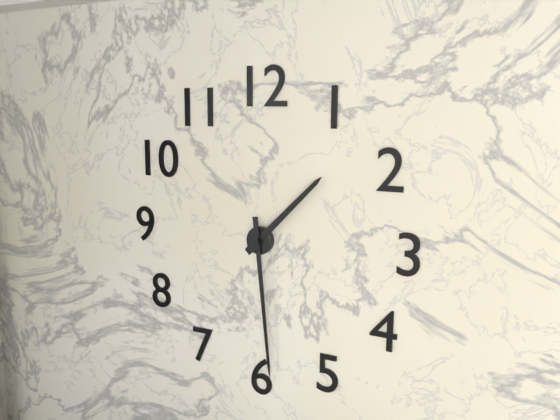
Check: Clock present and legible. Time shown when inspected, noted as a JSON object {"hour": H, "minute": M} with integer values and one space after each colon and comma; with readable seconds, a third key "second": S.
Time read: {"hour": 1, "minute": 29}
